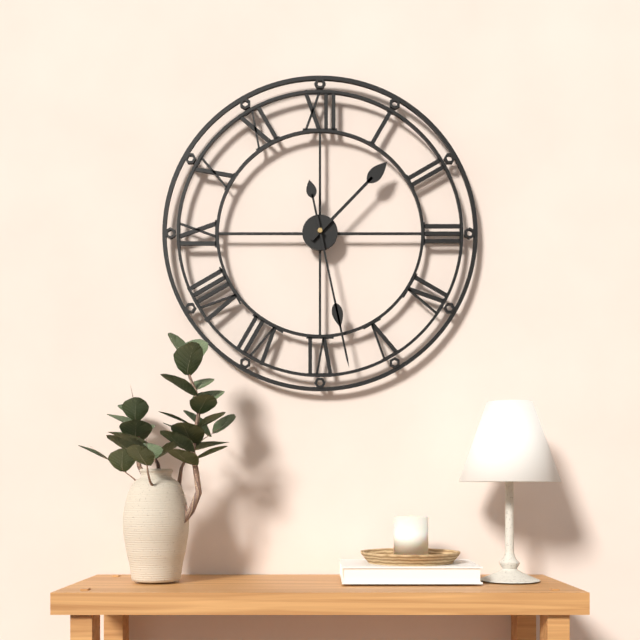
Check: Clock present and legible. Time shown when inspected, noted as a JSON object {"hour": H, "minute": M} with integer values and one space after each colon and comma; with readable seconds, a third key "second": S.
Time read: {"hour": 1, "minute": 28}
